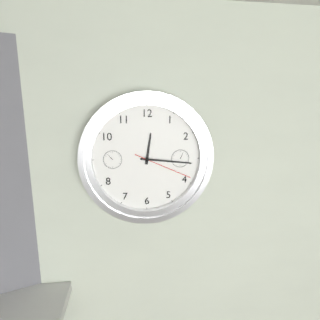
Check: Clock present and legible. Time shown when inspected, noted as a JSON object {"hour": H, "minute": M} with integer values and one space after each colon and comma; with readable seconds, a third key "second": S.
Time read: {"hour": 12, "minute": 16, "second": 19}
